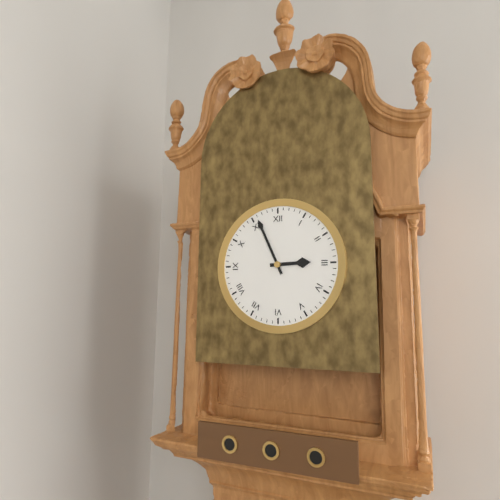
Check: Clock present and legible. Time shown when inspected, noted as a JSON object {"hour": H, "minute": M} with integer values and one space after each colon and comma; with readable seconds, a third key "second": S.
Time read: {"hour": 2, "minute": 56}
